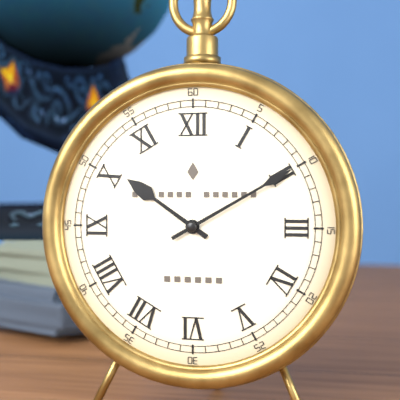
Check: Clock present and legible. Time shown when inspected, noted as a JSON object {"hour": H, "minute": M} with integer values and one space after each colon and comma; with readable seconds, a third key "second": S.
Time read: {"hour": 10, "minute": 10}
